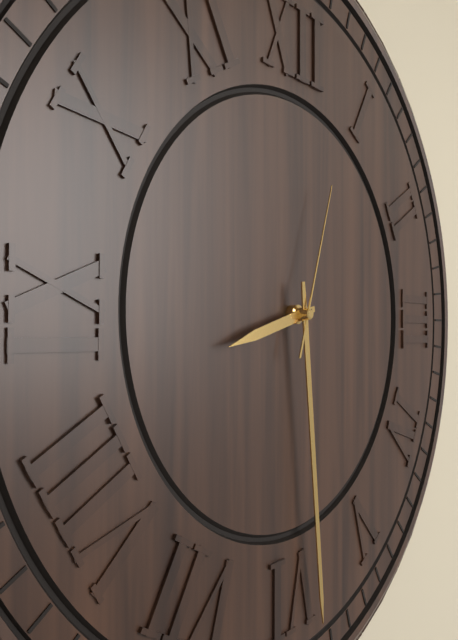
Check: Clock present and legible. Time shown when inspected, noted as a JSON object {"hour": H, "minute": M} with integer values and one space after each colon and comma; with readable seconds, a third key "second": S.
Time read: {"hour": 8, "minute": 29, "second": 3}
